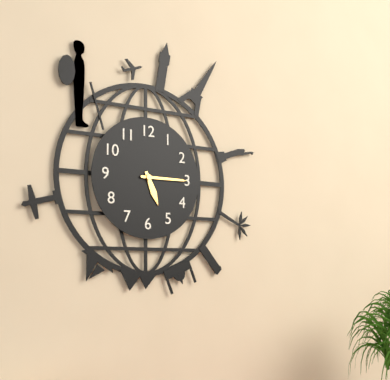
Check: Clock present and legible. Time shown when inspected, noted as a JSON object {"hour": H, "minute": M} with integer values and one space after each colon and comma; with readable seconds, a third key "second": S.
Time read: {"hour": 5, "minute": 15}
